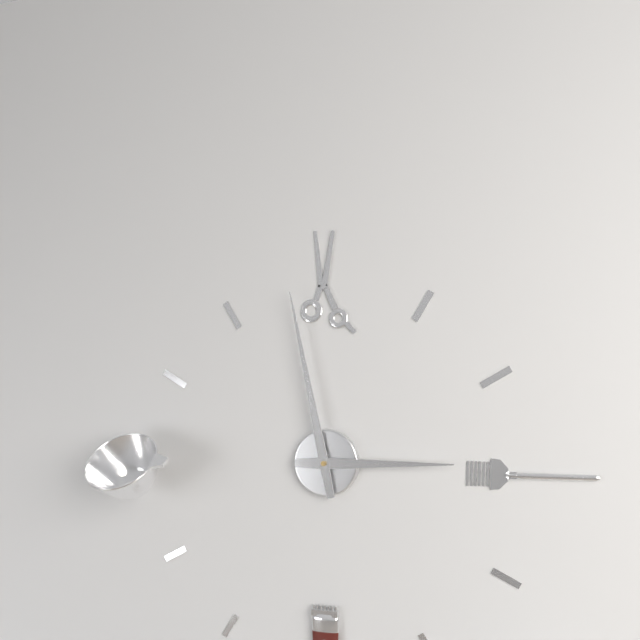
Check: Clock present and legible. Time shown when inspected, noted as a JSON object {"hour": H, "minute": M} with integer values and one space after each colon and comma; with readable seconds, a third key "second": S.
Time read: {"hour": 2, "minute": 58}
